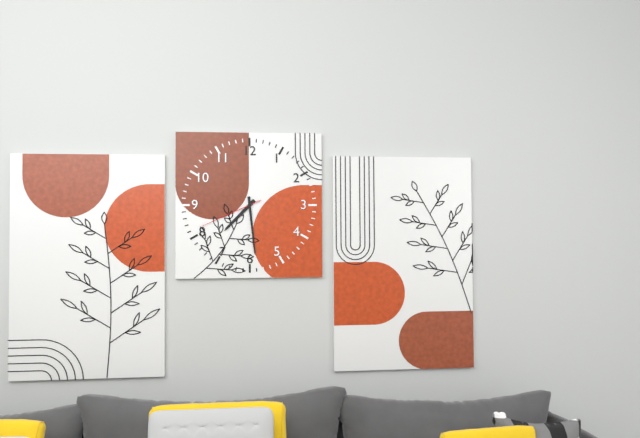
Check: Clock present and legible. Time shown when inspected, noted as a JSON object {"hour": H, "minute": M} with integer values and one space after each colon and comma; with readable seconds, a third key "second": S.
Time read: {"hour": 7, "minute": 29, "second": 41}
